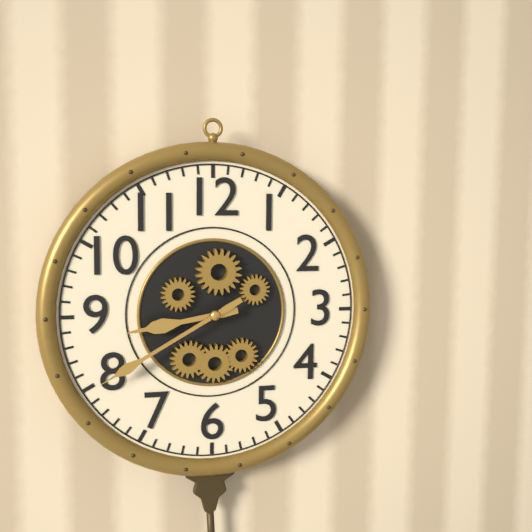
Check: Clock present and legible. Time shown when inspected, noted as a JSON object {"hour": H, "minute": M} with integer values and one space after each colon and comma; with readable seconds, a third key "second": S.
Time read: {"hour": 8, "minute": 40}
